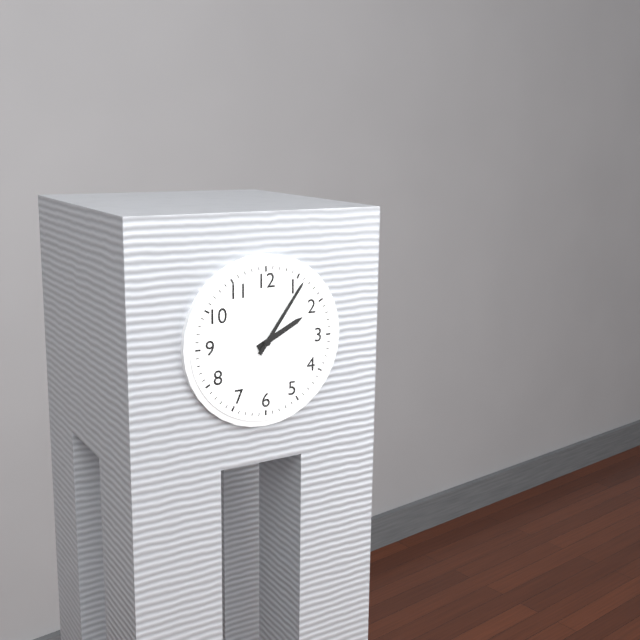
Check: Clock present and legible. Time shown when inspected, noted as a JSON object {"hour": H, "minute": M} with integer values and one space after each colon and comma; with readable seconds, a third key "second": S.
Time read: {"hour": 2, "minute": 6}
